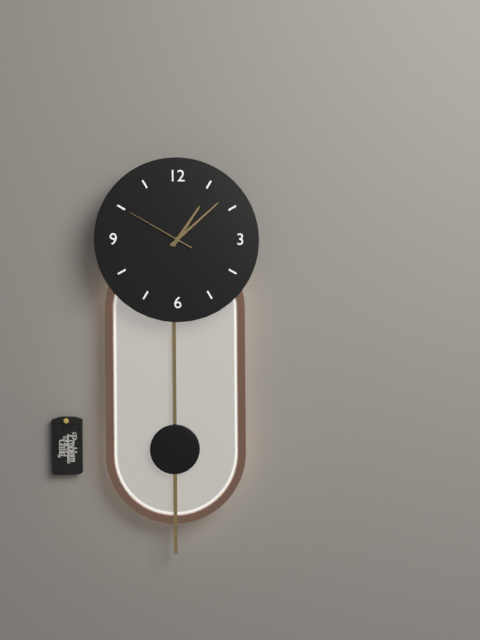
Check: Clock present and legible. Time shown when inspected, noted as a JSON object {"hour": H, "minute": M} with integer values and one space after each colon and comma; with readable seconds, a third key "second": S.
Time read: {"hour": 1, "minute": 8, "second": 50}
